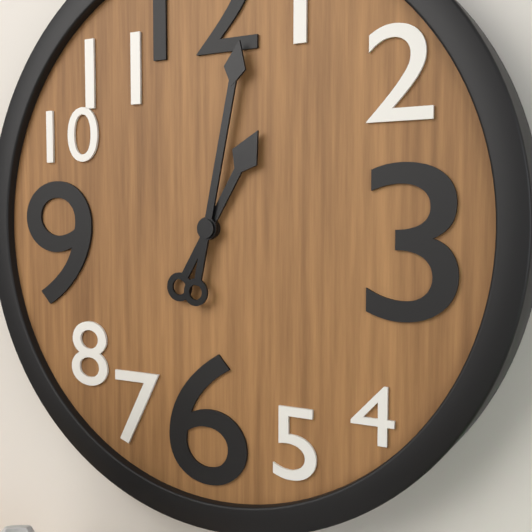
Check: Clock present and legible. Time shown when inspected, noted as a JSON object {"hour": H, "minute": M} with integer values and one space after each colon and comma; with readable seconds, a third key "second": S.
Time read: {"hour": 1, "minute": 2}
